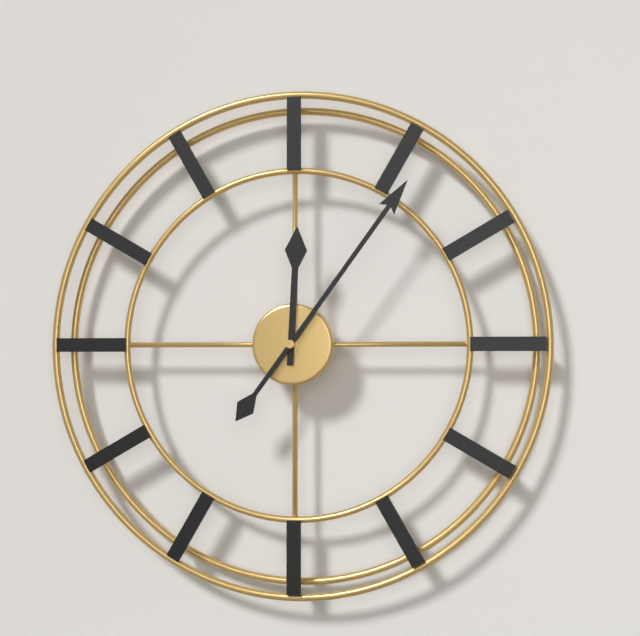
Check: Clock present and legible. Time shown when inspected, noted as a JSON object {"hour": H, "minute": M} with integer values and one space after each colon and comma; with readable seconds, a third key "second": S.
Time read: {"hour": 12, "minute": 6}
